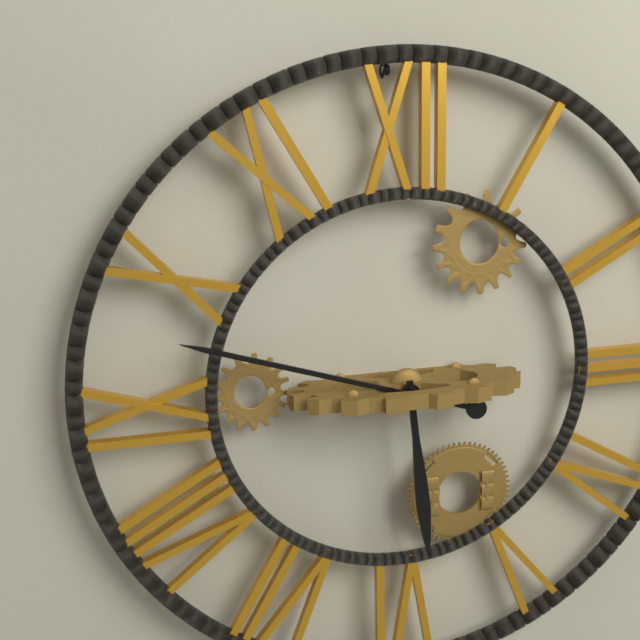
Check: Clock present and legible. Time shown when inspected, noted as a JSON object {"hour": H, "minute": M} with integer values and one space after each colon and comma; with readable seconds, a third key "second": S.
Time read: {"hour": 5, "minute": 48}
